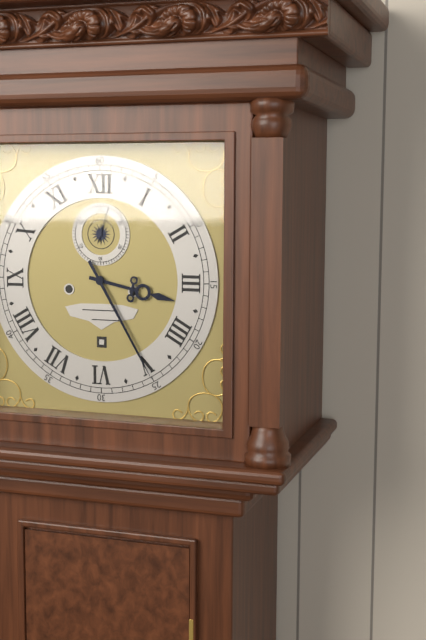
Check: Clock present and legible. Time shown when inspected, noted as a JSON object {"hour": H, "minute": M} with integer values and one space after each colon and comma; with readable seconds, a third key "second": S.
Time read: {"hour": 3, "minute": 25}
